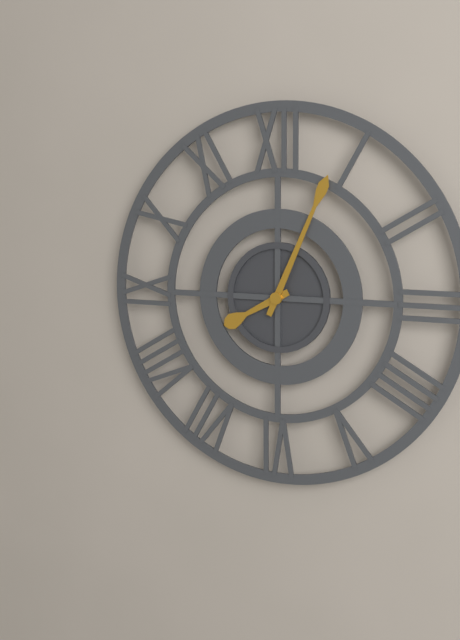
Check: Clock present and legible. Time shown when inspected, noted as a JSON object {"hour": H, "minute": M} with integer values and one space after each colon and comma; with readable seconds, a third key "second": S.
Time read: {"hour": 8, "minute": 4}
